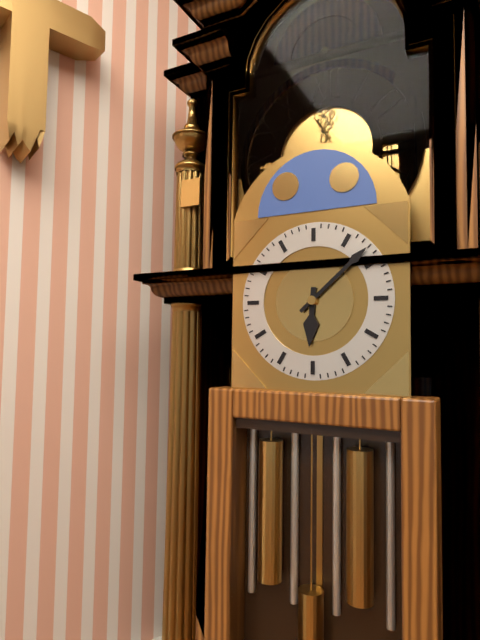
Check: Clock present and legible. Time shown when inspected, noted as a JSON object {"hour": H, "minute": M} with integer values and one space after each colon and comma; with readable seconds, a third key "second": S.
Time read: {"hour": 6, "minute": 8}
